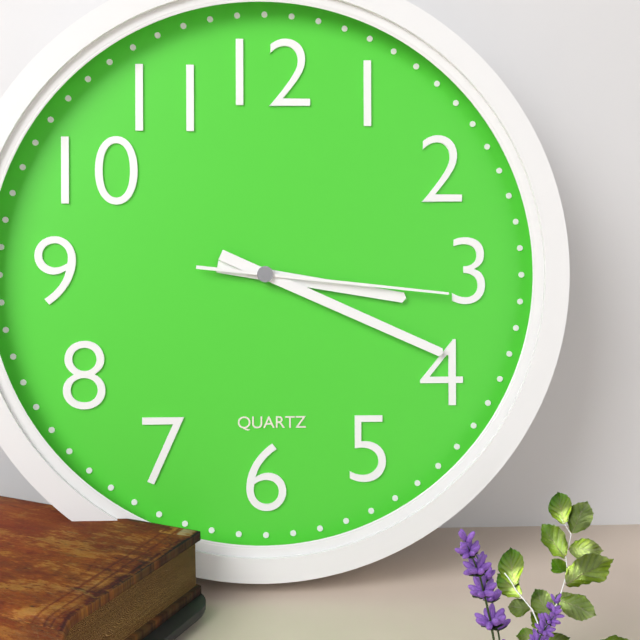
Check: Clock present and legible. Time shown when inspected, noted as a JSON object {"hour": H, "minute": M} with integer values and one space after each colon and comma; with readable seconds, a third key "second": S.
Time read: {"hour": 3, "minute": 19, "second": 16}
